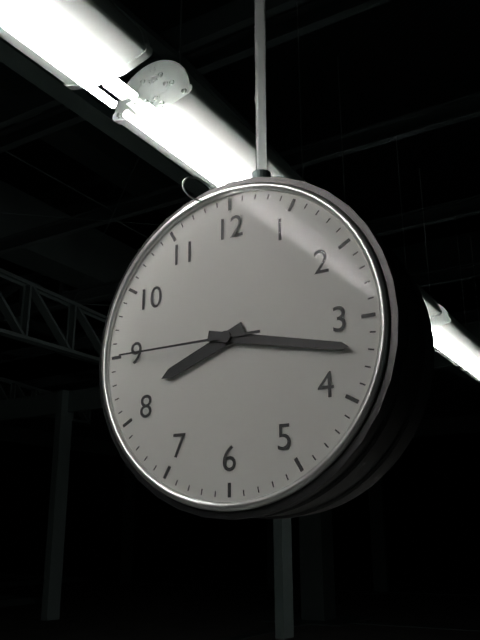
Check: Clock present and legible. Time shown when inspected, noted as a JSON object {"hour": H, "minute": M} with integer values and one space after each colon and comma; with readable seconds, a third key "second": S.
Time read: {"hour": 8, "minute": 17, "second": 45}
